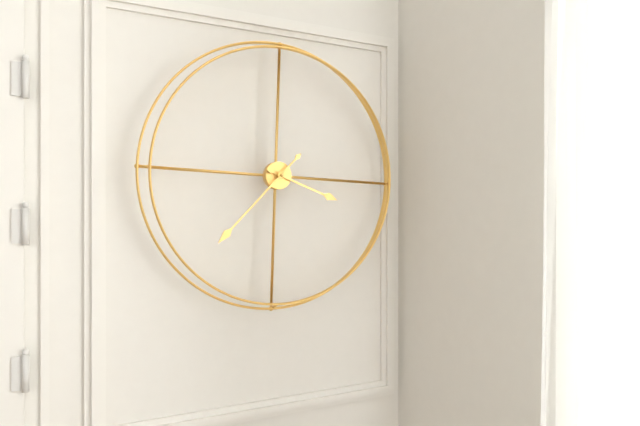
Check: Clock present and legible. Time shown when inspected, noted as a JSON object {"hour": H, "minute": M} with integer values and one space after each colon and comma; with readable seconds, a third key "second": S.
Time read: {"hour": 3, "minute": 37}
